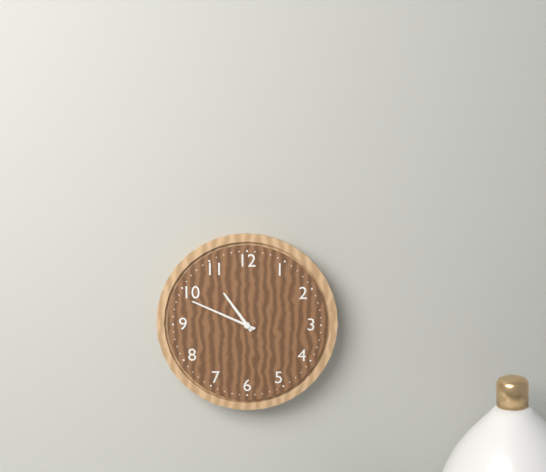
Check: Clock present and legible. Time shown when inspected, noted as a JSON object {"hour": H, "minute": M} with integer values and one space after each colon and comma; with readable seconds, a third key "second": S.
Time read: {"hour": 10, "minute": 49}
